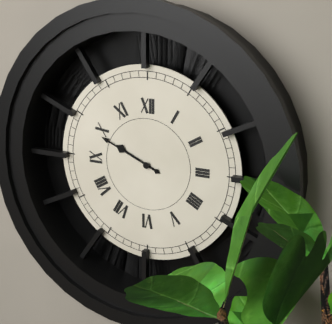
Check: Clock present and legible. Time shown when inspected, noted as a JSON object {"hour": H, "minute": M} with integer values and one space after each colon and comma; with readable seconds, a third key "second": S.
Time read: {"hour": 9, "minute": 49}
